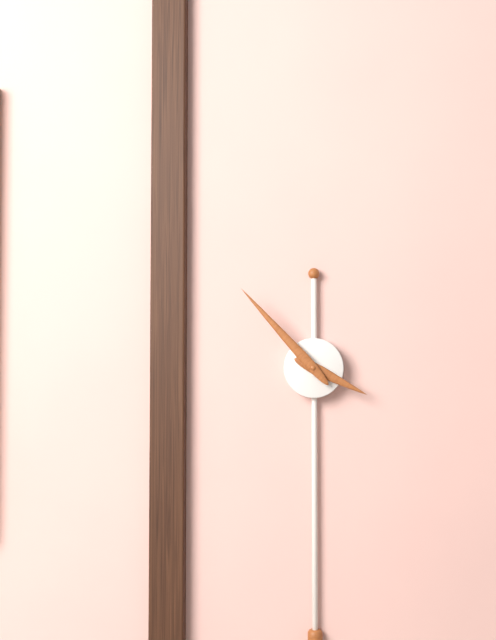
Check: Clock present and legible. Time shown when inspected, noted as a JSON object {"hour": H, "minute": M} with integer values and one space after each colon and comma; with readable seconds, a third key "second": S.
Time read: {"hour": 3, "minute": 53}
